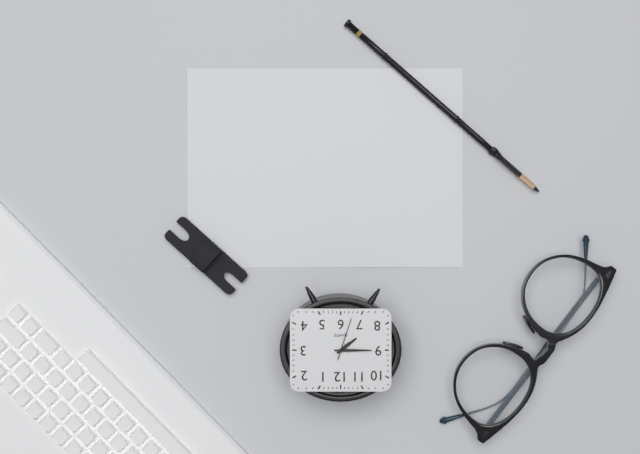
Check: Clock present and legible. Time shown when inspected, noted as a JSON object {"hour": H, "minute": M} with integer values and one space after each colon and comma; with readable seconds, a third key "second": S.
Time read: {"hour": 7, "minute": 45}
